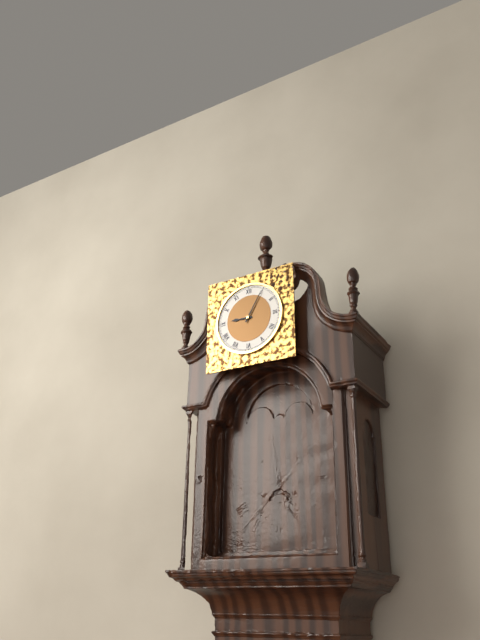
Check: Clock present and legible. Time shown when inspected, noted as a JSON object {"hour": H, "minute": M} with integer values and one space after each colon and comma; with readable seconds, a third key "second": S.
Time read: {"hour": 9, "minute": 5}
